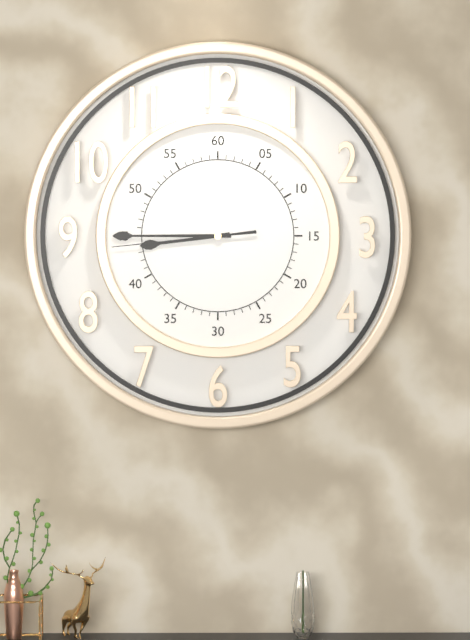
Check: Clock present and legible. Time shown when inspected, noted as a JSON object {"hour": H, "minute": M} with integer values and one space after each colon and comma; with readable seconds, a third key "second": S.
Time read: {"hour": 8, "minute": 45, "second": 44}
